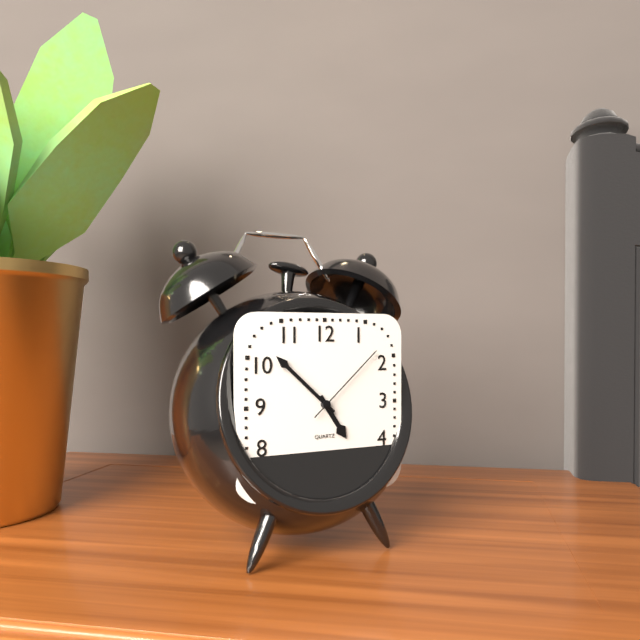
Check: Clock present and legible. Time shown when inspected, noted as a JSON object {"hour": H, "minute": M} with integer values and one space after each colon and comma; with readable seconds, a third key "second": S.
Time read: {"hour": 4, "minute": 52, "second": 8}
